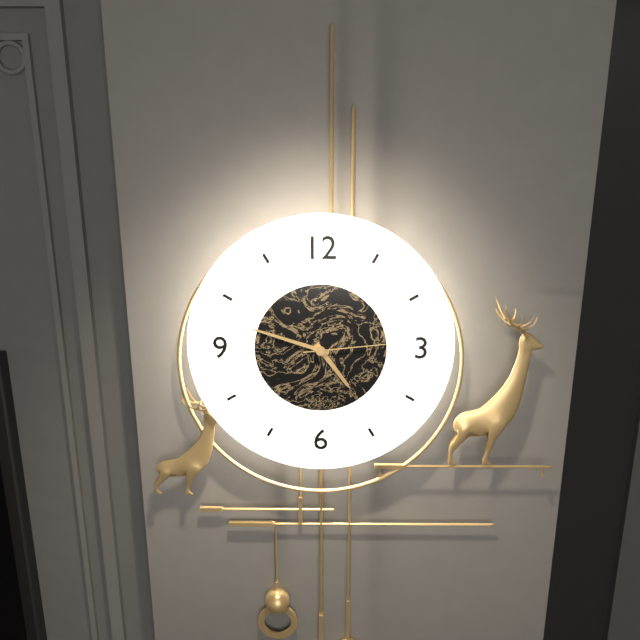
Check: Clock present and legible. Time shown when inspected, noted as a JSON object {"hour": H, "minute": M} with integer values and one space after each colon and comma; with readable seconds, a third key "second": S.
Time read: {"hour": 4, "minute": 48, "second": 14}
